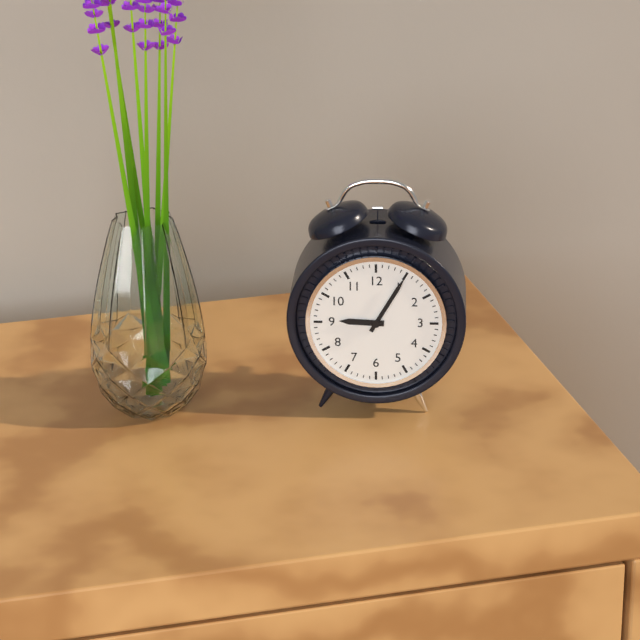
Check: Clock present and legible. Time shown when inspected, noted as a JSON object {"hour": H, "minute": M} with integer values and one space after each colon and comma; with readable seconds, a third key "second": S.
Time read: {"hour": 9, "minute": 5}
